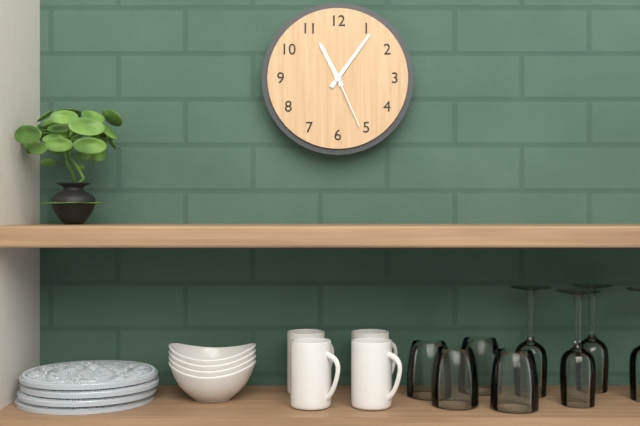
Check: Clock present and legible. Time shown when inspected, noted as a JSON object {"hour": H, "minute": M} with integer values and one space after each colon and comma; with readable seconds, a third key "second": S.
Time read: {"hour": 11, "minute": 6, "second": 26}
